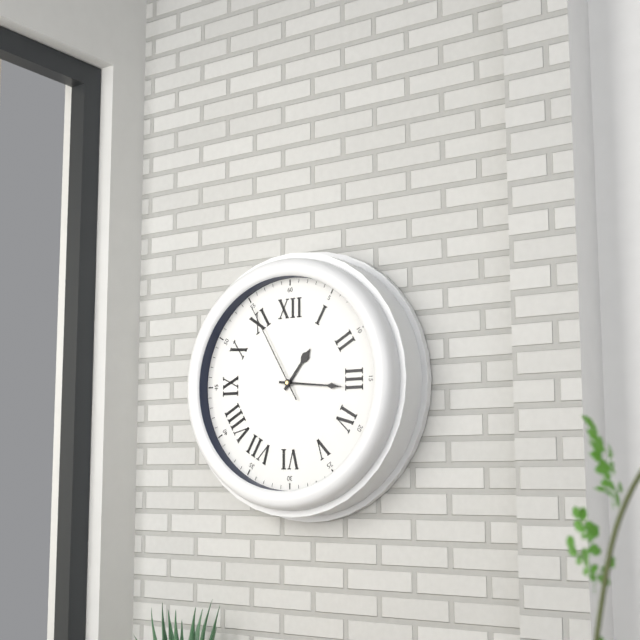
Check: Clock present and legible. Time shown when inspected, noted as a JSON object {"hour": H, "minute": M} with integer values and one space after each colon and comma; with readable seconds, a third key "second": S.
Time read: {"hour": 1, "minute": 16, "second": 55}
